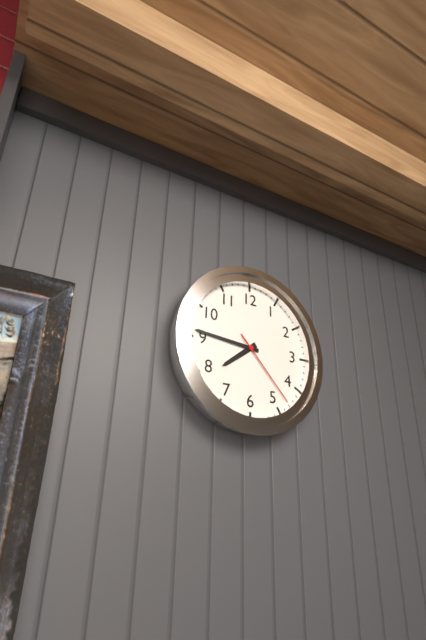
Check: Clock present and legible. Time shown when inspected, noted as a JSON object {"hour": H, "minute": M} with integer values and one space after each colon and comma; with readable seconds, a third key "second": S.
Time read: {"hour": 7, "minute": 46, "second": 23}
